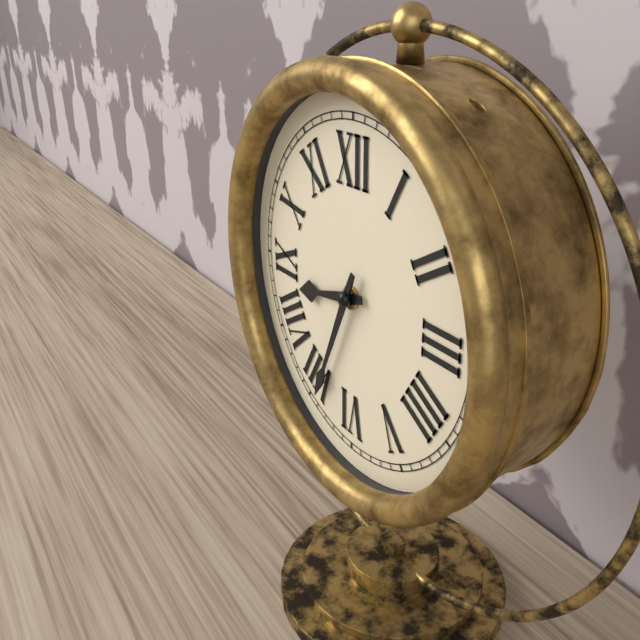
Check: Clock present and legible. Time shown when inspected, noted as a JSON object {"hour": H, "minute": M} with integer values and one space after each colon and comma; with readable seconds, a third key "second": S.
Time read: {"hour": 8, "minute": 34}
